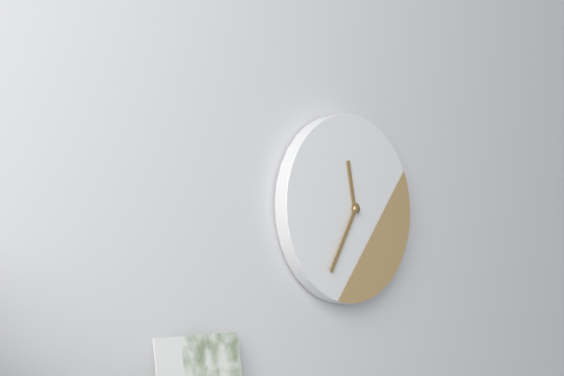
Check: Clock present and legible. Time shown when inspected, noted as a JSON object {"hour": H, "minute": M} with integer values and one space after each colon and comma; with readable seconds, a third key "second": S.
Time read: {"hour": 11, "minute": 35}
